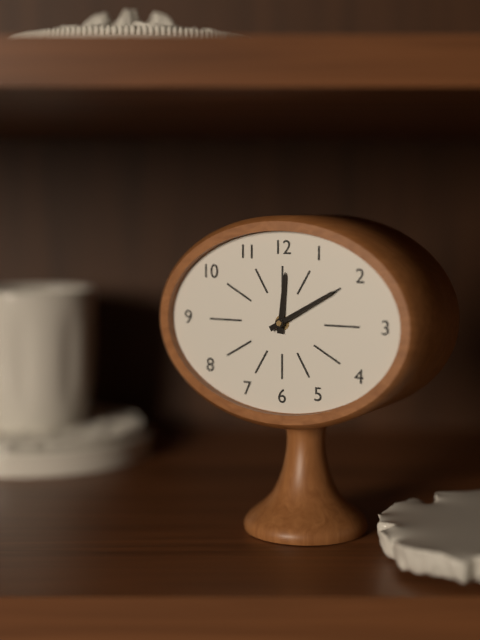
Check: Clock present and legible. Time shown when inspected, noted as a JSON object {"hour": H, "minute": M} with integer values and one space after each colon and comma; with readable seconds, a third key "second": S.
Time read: {"hour": 12, "minute": 10}
